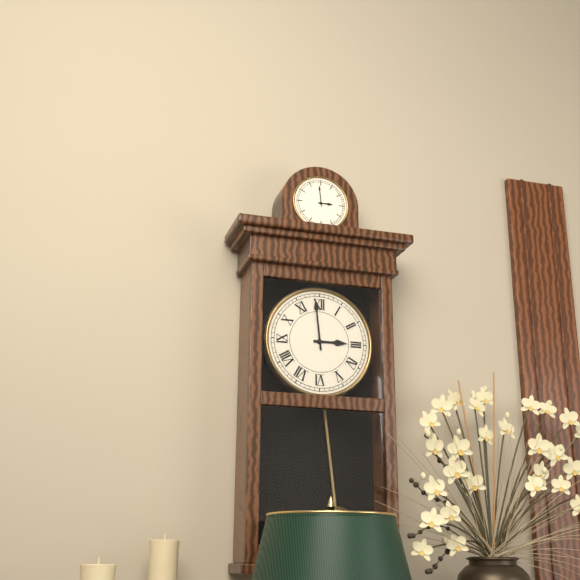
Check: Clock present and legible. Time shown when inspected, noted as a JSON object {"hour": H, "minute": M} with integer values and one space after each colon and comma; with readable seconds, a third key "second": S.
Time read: {"hour": 2, "minute": 59}
